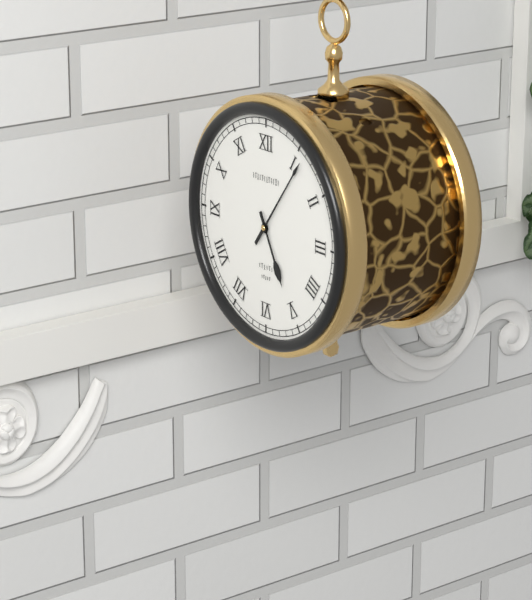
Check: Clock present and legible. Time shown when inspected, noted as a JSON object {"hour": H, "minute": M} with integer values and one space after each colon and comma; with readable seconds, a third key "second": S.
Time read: {"hour": 5, "minute": 6}
